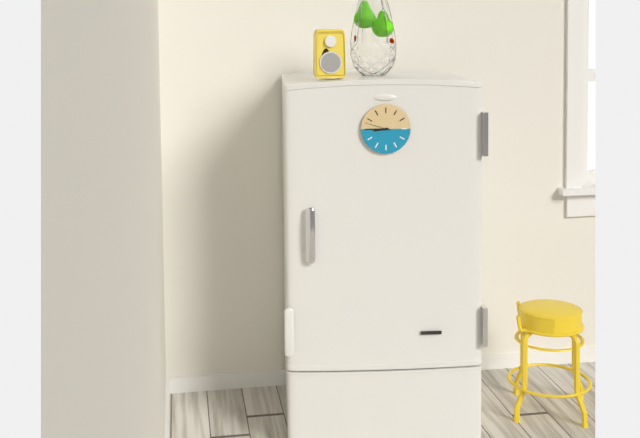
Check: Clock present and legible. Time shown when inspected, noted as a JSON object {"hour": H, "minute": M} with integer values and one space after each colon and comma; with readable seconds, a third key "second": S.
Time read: {"hour": 8, "minute": 45}
